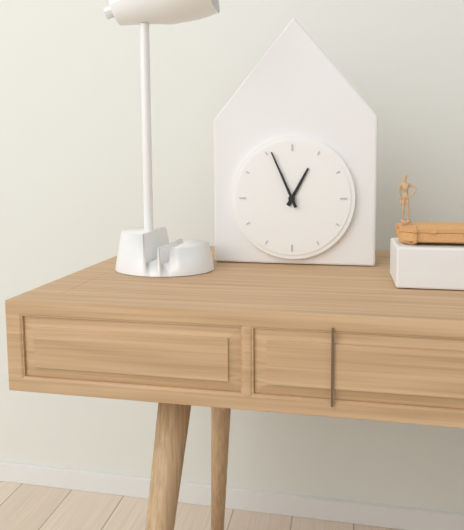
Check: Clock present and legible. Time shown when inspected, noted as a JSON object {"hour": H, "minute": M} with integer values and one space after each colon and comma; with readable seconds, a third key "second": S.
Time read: {"hour": 12, "minute": 56}
